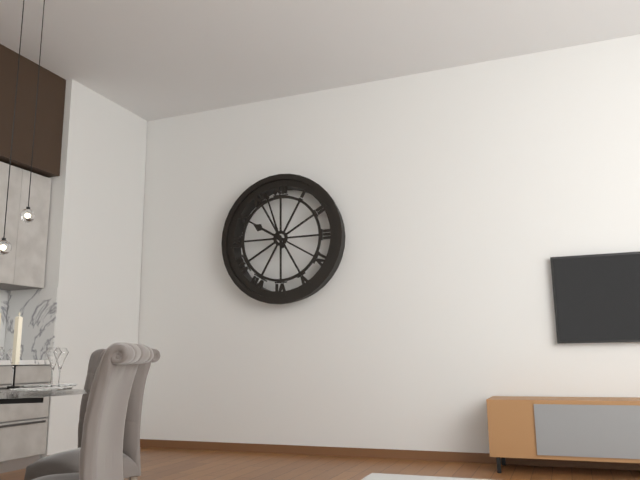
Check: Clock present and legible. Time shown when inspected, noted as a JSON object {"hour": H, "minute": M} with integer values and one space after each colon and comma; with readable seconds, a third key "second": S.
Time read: {"hour": 9, "minute": 57}
